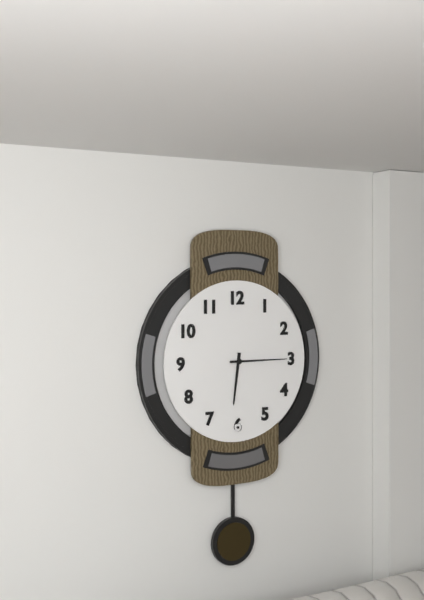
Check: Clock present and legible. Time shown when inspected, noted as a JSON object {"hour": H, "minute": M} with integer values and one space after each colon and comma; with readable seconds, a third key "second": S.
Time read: {"hour": 6, "minute": 15}
